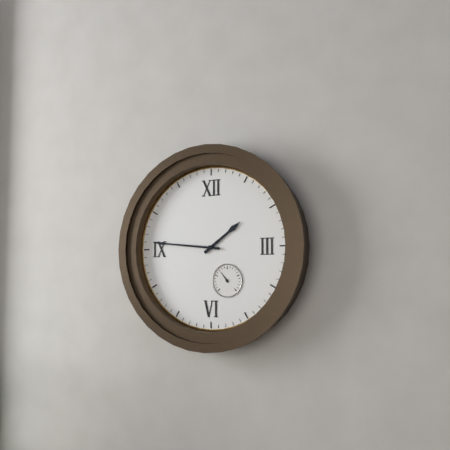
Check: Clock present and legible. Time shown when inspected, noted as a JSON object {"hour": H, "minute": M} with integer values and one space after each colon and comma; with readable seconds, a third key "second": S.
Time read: {"hour": 1, "minute": 46}
